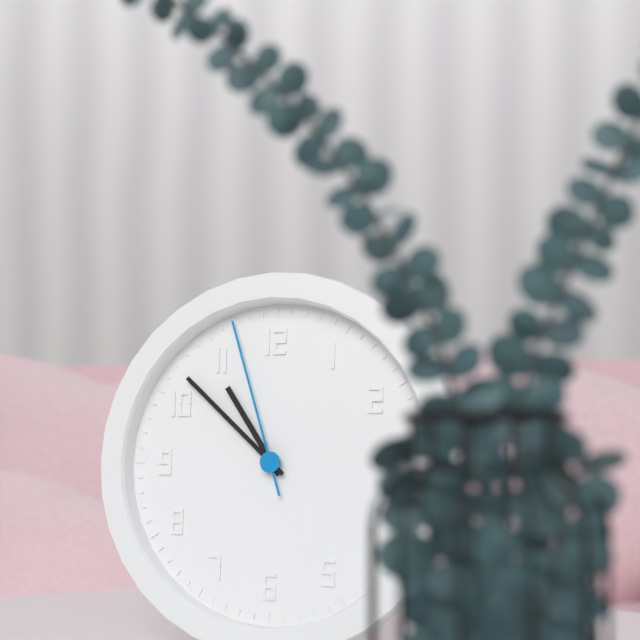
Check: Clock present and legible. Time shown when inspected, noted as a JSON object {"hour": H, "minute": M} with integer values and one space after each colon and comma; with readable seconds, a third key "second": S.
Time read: {"hour": 10, "minute": 52, "second": 57}
